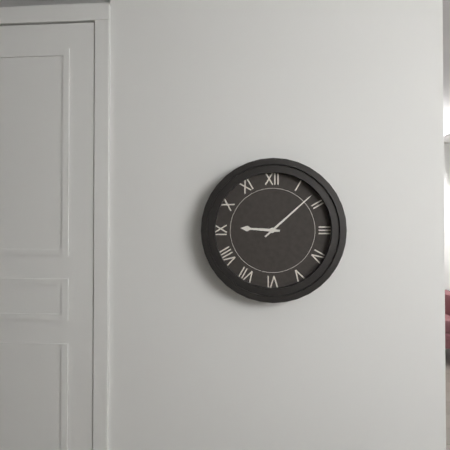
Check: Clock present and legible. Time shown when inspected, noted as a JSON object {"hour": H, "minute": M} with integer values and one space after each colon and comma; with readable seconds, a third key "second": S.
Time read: {"hour": 9, "minute": 8}
